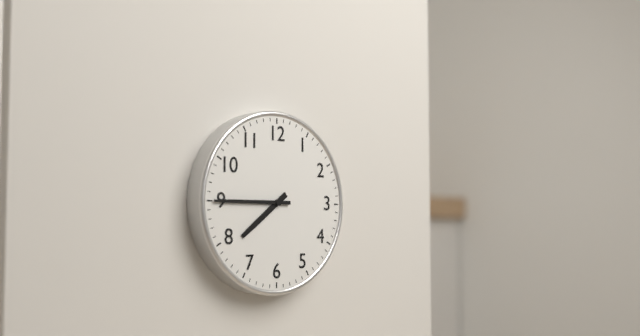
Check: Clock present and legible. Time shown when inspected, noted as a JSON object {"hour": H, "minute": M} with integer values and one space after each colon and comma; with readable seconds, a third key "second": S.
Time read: {"hour": 7, "minute": 45}
